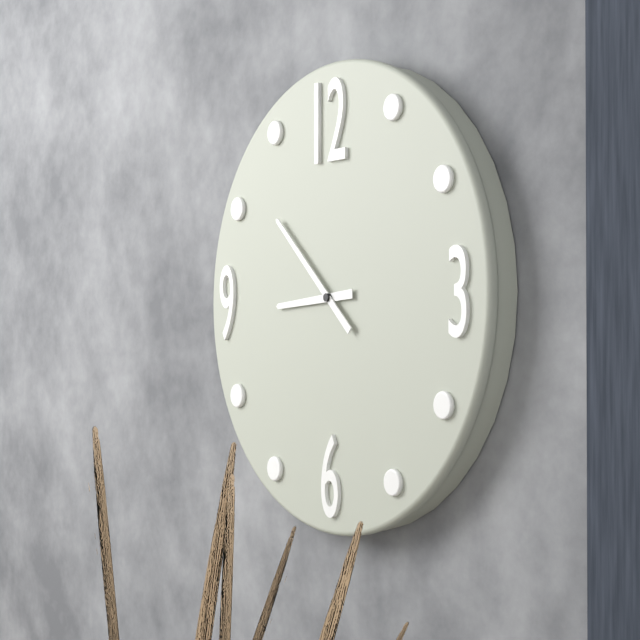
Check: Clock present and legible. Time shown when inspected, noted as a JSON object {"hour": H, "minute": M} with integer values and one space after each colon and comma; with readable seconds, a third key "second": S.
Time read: {"hour": 8, "minute": 52}
